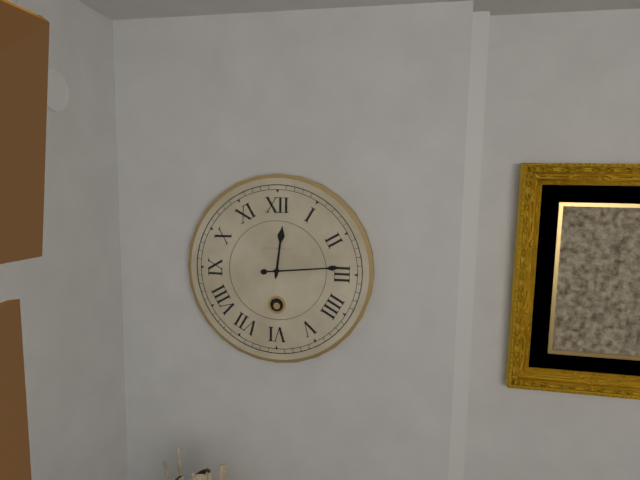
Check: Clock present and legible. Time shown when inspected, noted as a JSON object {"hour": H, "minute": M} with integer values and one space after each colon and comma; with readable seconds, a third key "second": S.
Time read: {"hour": 12, "minute": 14}
